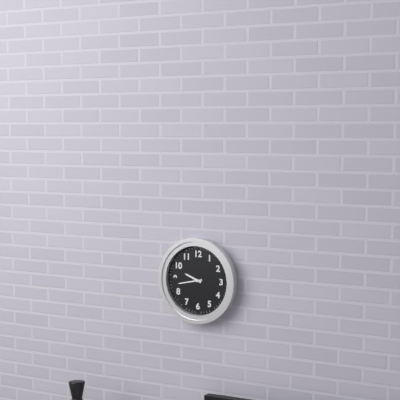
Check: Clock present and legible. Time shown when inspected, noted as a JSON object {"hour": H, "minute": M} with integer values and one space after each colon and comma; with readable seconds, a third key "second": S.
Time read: {"hour": 9, "minute": 43}
